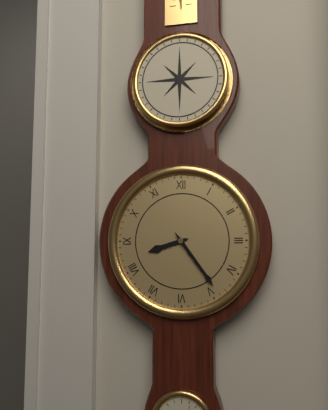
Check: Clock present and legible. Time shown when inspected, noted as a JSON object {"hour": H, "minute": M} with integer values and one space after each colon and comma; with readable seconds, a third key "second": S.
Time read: {"hour": 8, "minute": 24}
